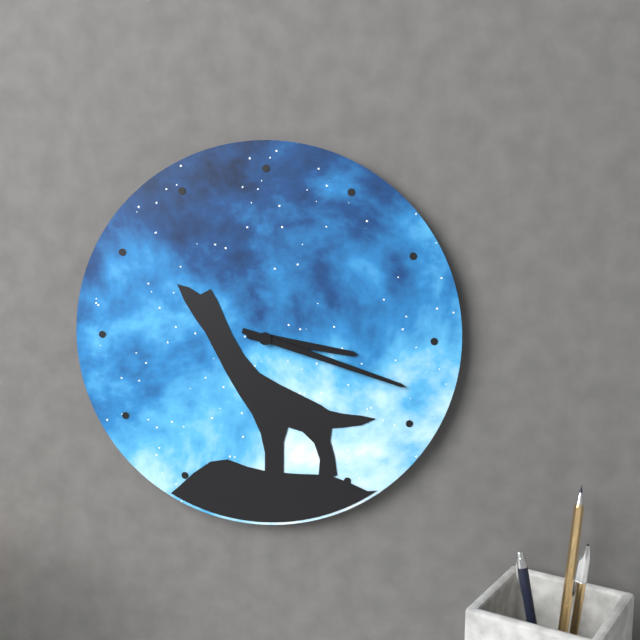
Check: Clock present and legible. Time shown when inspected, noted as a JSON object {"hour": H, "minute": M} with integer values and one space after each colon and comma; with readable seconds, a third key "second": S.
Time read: {"hour": 3, "minute": 18}
